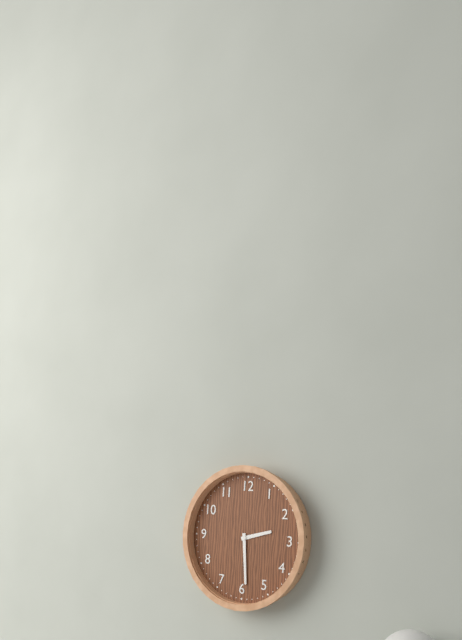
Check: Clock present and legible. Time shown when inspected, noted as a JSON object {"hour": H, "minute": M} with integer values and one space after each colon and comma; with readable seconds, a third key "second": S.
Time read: {"hour": 2, "minute": 29}
